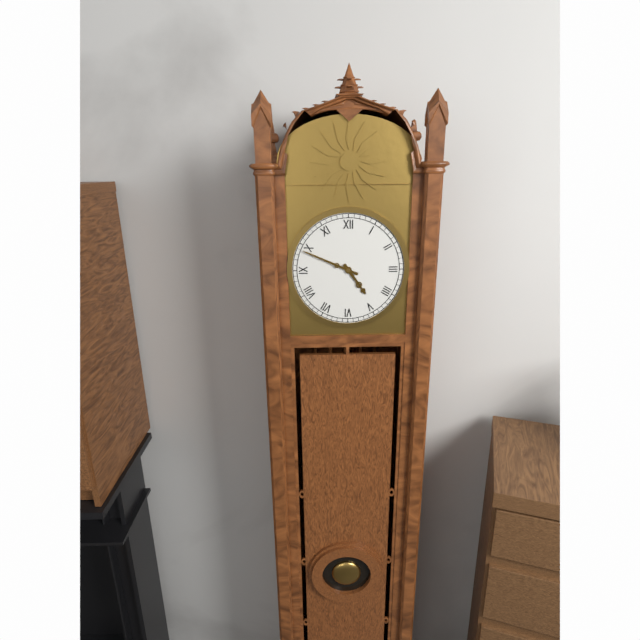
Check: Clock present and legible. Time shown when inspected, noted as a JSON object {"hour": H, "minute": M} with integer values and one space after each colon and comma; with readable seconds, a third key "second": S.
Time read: {"hour": 4, "minute": 49}
